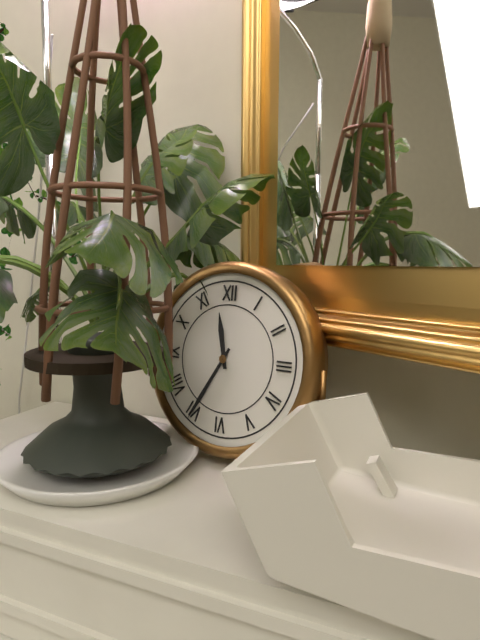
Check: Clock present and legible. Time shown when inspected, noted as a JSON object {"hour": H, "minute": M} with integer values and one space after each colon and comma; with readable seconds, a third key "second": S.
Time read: {"hour": 11, "minute": 35}
